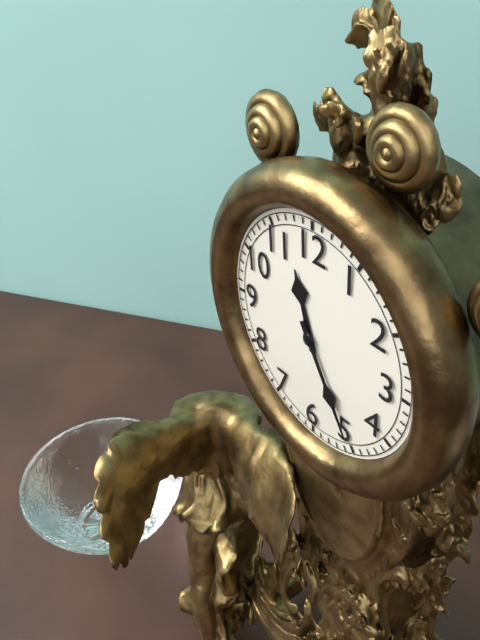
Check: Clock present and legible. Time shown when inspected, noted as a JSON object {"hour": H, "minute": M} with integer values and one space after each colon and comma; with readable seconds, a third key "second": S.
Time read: {"hour": 11, "minute": 25}
